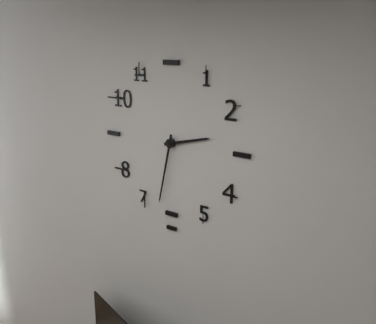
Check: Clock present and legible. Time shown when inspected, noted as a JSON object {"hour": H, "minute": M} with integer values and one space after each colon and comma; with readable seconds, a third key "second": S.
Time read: {"hour": 2, "minute": 32}
